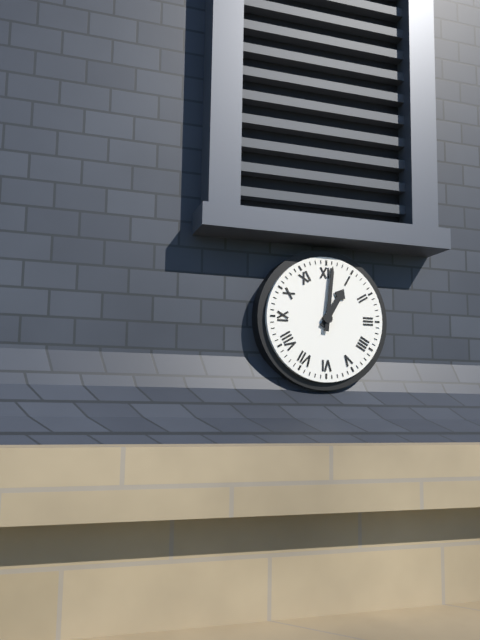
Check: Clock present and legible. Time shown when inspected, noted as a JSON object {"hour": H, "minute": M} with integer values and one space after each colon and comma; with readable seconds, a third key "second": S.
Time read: {"hour": 1, "minute": 1}
